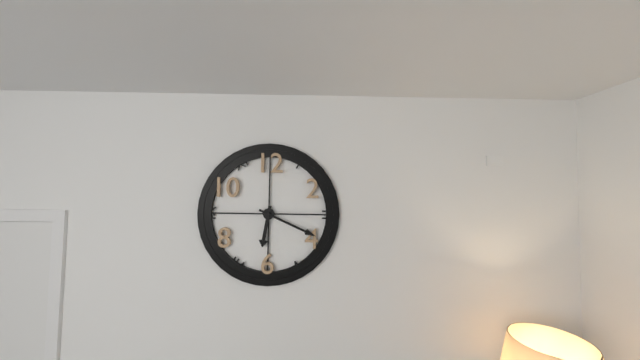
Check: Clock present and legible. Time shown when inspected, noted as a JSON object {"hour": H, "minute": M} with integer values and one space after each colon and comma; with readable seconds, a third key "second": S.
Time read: {"hour": 6, "minute": 19}
